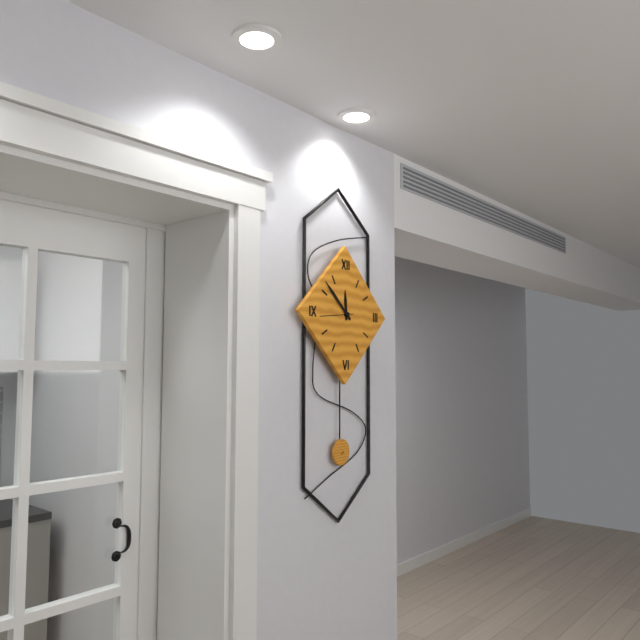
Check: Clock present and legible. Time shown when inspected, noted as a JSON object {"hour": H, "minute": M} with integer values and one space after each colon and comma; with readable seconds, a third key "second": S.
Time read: {"hour": 11, "minute": 52}
